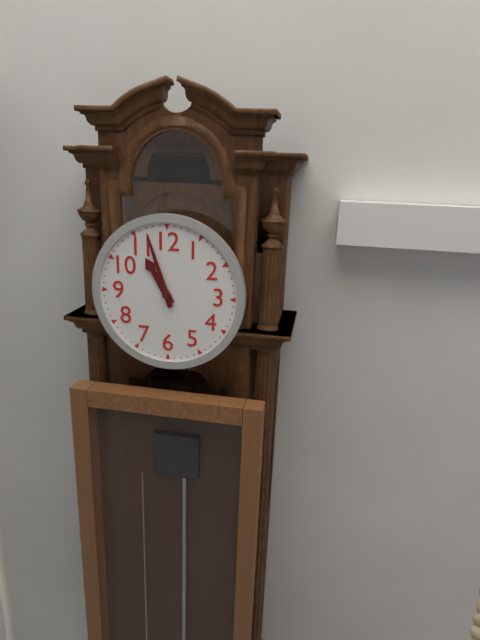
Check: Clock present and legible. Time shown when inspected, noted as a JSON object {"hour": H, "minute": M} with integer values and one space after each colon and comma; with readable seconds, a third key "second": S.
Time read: {"hour": 10, "minute": 57}
